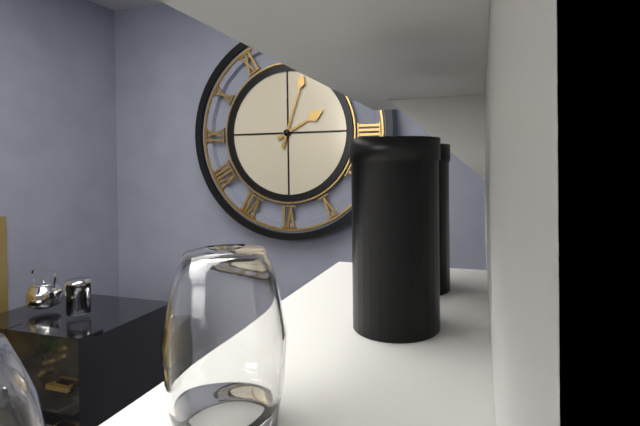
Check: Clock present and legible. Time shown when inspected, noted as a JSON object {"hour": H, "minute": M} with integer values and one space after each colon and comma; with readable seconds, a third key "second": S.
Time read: {"hour": 2, "minute": 3}
